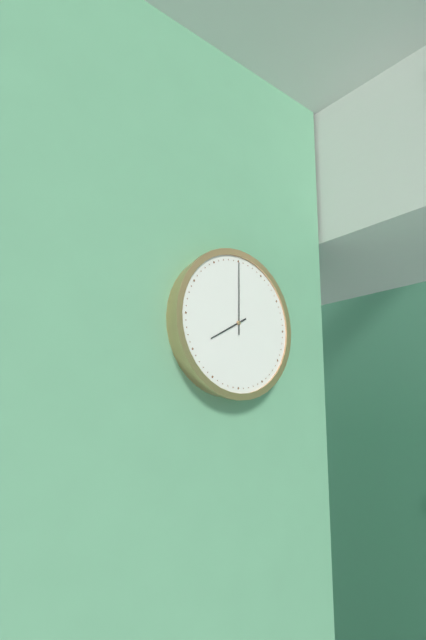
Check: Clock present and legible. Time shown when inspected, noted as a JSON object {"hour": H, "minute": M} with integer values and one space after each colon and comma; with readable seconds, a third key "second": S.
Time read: {"hour": 8, "minute": 0}
